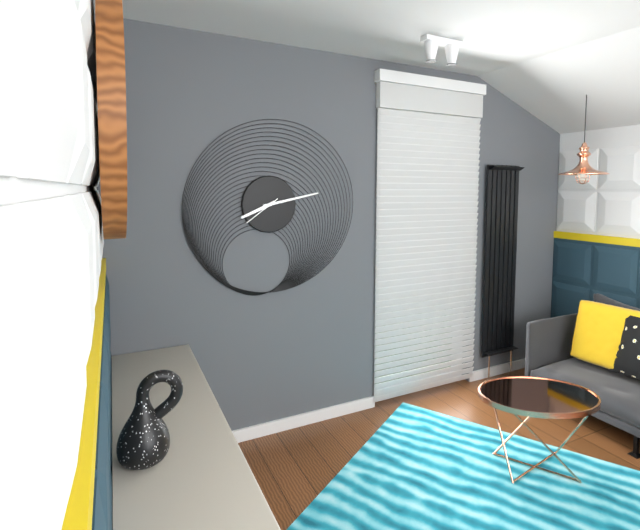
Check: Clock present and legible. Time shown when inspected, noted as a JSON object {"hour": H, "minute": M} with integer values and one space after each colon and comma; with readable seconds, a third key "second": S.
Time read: {"hour": 8, "minute": 13}
